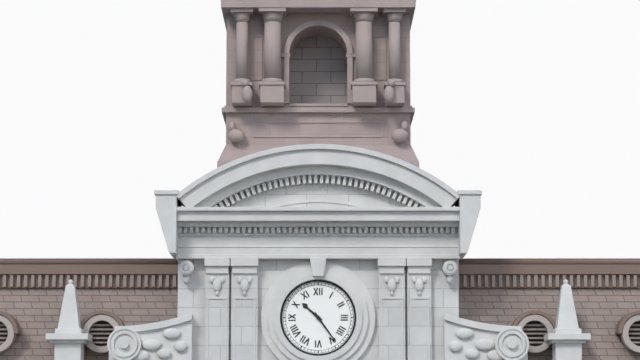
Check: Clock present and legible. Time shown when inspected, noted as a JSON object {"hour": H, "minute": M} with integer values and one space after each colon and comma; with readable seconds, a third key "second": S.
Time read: {"hour": 10, "minute": 24}
